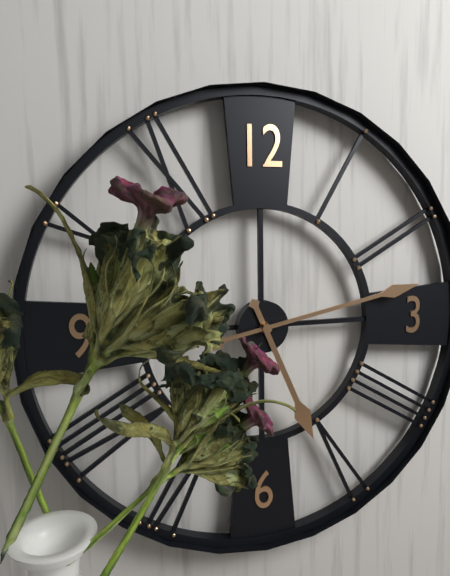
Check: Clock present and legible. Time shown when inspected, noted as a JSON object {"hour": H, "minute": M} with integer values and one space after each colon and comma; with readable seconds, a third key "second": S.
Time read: {"hour": 5, "minute": 13}
